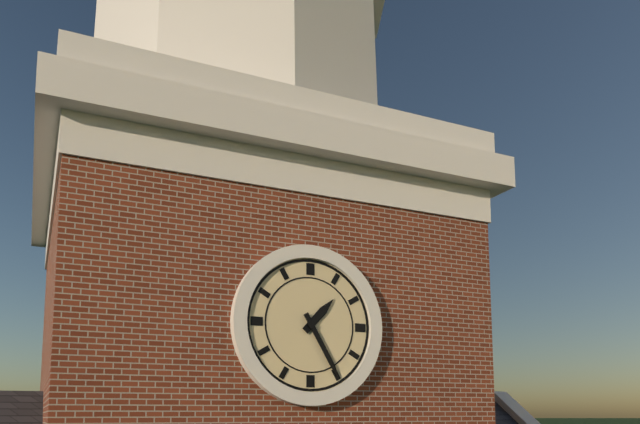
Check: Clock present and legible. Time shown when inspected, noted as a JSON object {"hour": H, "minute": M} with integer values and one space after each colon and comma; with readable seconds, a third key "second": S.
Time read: {"hour": 1, "minute": 25}
